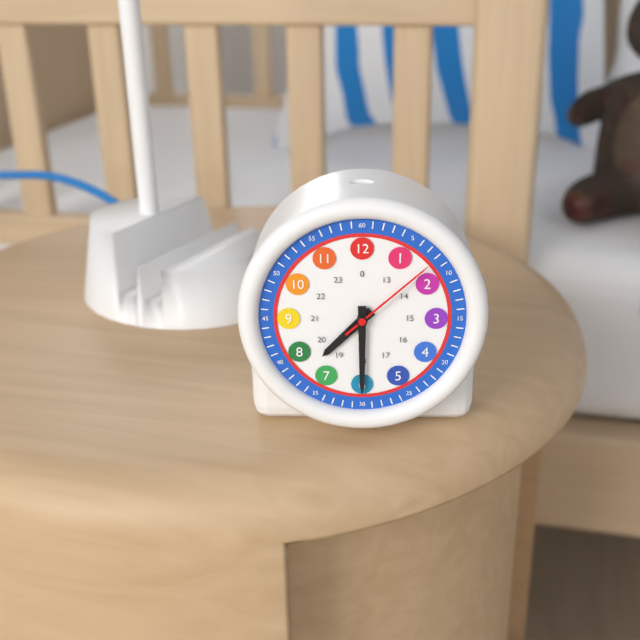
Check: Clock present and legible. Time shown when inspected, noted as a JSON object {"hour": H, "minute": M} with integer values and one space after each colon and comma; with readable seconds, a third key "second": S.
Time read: {"hour": 7, "minute": 30, "second": 8}
